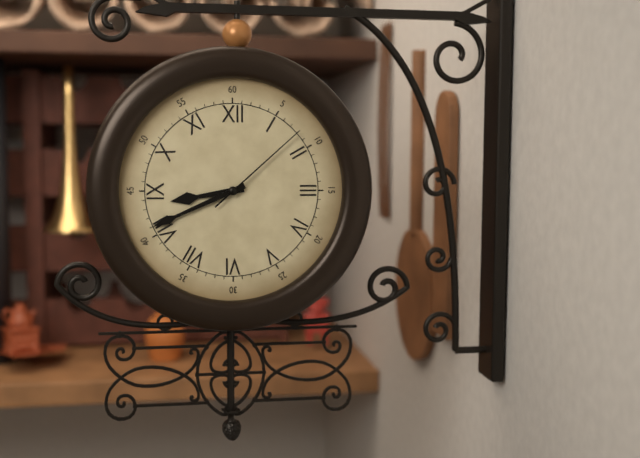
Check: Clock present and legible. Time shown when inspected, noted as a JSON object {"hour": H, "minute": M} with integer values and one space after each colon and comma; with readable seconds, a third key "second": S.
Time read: {"hour": 8, "minute": 41, "second": 8}
